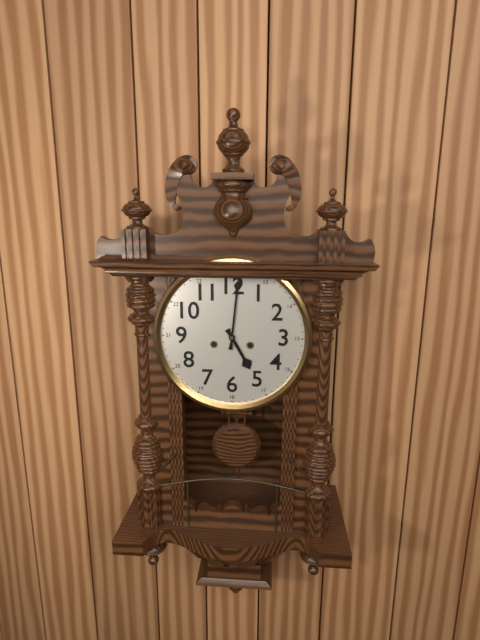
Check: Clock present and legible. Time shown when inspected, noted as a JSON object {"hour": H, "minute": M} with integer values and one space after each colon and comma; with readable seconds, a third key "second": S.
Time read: {"hour": 5, "minute": 1}
